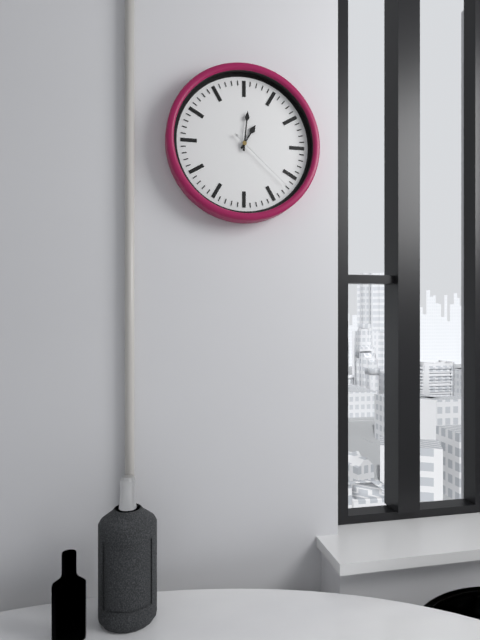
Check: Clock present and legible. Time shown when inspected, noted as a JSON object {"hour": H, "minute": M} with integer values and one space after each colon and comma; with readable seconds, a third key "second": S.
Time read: {"hour": 1, "minute": 1, "second": 22}
